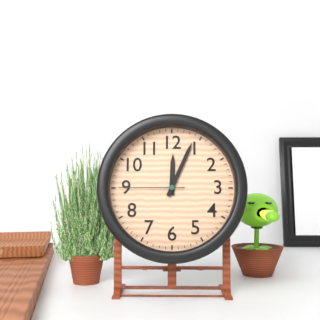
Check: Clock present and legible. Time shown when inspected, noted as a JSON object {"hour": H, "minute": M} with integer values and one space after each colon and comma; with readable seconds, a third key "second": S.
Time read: {"hour": 12, "minute": 4, "second": 45}
